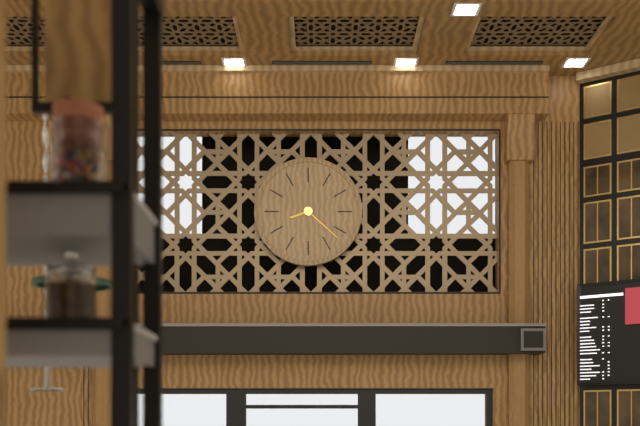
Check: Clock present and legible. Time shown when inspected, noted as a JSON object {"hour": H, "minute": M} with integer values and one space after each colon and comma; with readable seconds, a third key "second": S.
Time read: {"hour": 8, "minute": 22}
